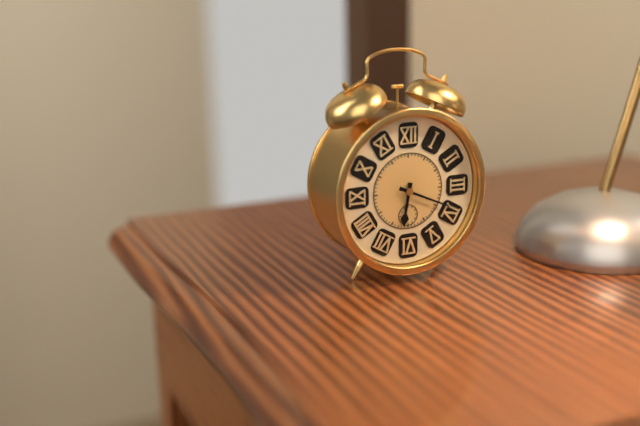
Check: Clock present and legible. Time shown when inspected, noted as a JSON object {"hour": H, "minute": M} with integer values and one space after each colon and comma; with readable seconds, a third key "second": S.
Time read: {"hour": 6, "minute": 19}
